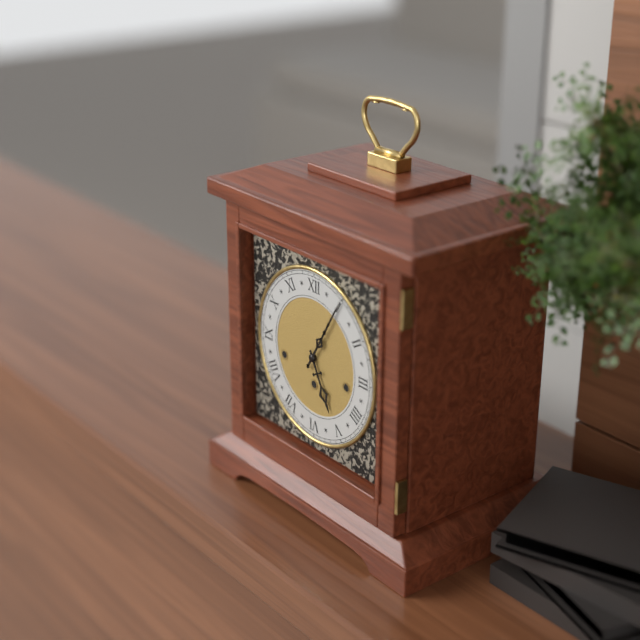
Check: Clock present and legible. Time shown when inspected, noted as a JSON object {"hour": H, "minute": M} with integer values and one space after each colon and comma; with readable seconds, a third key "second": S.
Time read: {"hour": 5, "minute": 5}
